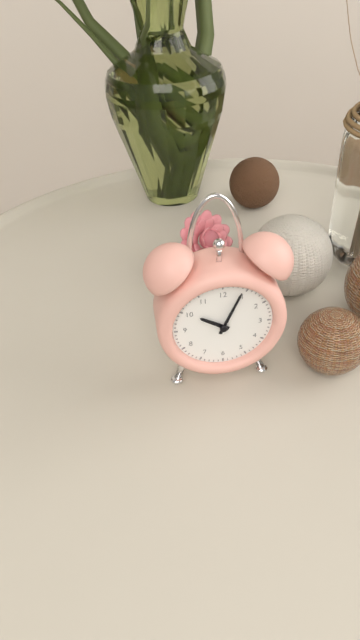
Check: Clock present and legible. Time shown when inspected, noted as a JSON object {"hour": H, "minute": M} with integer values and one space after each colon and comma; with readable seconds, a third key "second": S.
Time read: {"hour": 10, "minute": 4}
